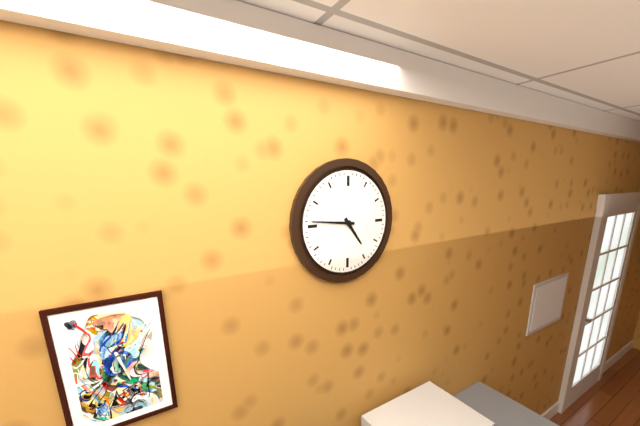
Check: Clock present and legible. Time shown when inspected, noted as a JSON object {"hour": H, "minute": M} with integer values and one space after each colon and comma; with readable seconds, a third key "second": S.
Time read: {"hour": 4, "minute": 46}
